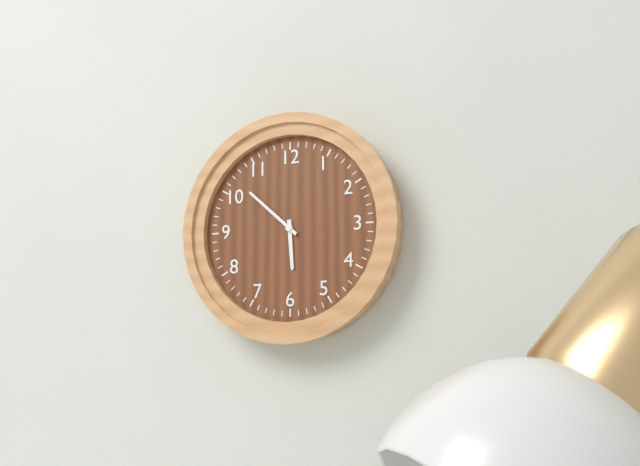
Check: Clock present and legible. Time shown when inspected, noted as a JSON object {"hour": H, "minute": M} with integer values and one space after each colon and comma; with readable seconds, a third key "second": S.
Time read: {"hour": 5, "minute": 52}
